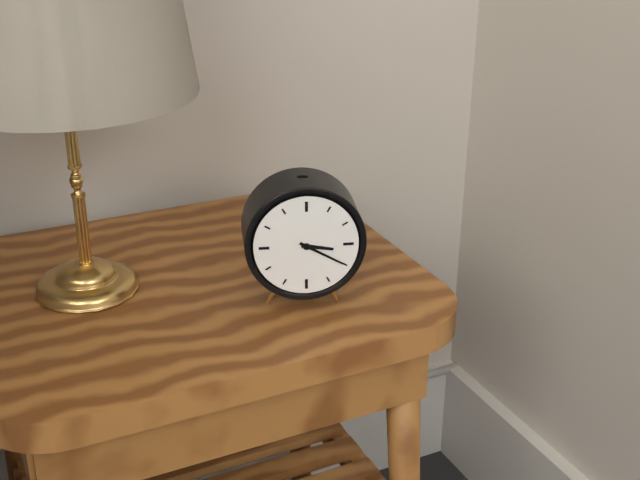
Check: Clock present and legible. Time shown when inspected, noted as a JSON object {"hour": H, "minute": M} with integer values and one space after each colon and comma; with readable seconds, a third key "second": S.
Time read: {"hour": 3, "minute": 20}
